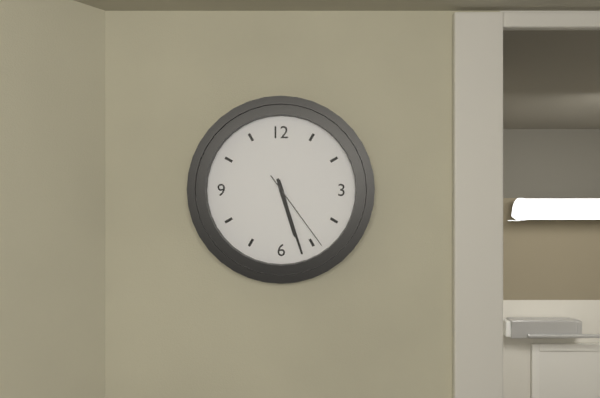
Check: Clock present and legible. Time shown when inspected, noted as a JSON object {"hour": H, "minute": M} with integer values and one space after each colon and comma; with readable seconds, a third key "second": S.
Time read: {"hour": 5, "minute": 27, "second": 24}
